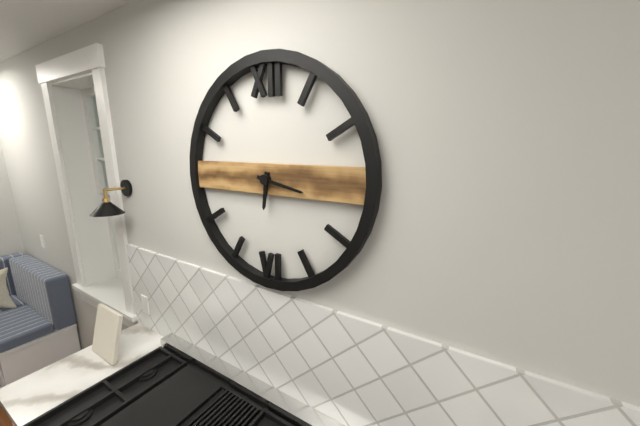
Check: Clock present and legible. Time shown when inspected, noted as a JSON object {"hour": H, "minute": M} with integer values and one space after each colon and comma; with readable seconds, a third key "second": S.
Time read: {"hour": 6, "minute": 17}
